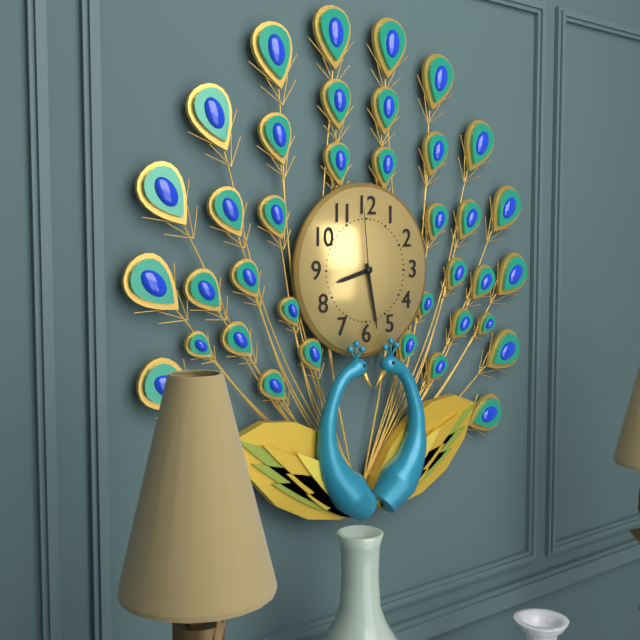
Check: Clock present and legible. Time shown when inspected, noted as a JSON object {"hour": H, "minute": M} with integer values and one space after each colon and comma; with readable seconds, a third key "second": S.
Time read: {"hour": 8, "minute": 28, "second": 59}
